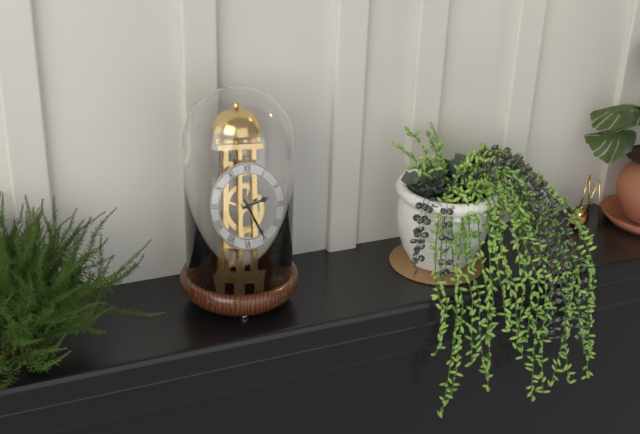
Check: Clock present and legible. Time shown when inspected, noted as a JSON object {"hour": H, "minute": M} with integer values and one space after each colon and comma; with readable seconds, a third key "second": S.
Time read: {"hour": 2, "minute": 25}
